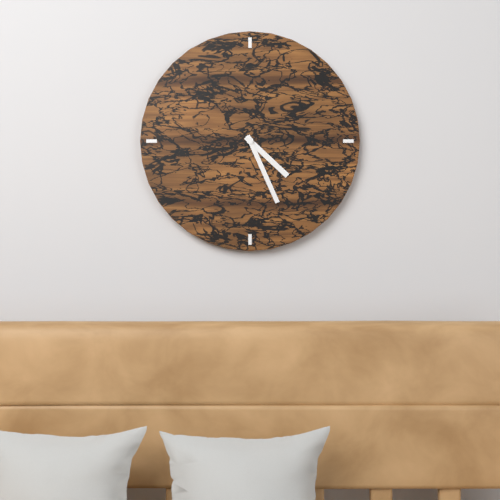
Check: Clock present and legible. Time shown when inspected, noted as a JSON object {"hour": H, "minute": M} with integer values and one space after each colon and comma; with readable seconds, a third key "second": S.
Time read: {"hour": 4, "minute": 26}
